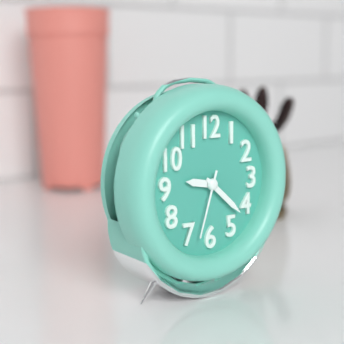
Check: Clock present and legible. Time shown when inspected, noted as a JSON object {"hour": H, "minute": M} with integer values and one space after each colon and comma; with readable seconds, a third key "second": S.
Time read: {"hour": 9, "minute": 22, "second": 33}
